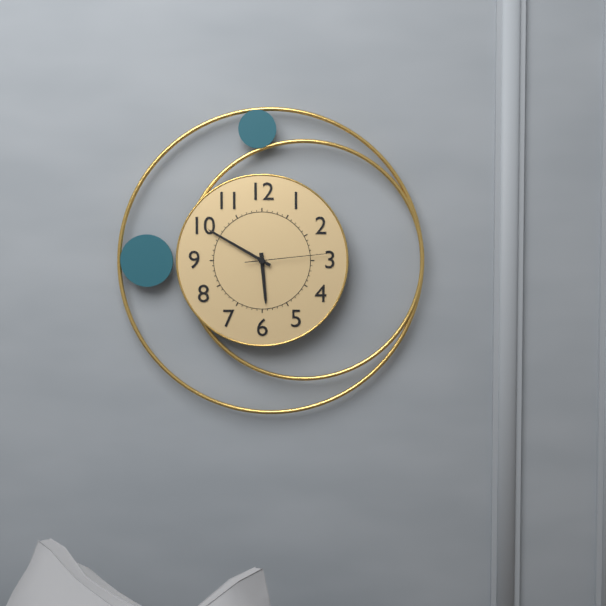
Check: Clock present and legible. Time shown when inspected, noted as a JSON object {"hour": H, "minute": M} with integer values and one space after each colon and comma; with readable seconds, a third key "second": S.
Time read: {"hour": 5, "minute": 50, "second": 14}
